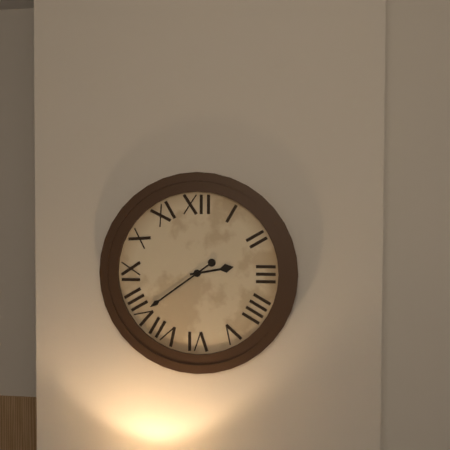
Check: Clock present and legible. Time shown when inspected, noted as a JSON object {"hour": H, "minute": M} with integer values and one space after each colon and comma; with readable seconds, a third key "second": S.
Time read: {"hour": 2, "minute": 39}
